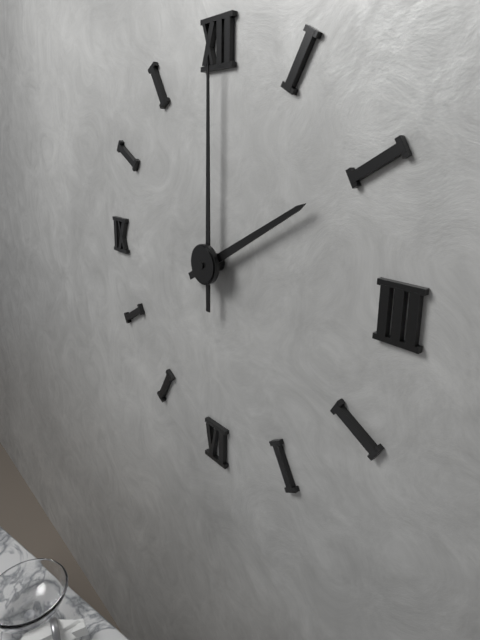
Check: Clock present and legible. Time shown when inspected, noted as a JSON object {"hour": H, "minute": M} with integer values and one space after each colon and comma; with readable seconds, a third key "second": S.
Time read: {"hour": 2, "minute": 0}
